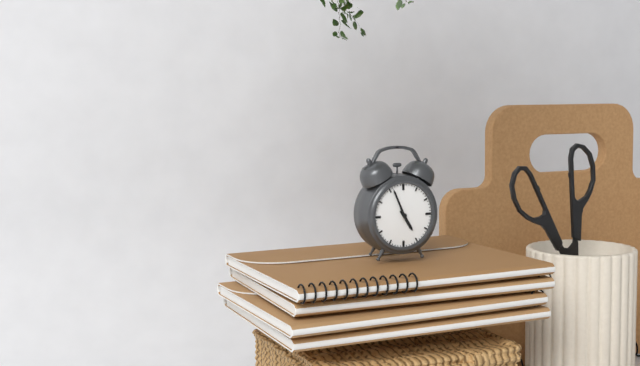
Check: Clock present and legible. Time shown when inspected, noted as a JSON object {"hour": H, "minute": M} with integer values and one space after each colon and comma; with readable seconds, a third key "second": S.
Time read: {"hour": 4, "minute": 56}
